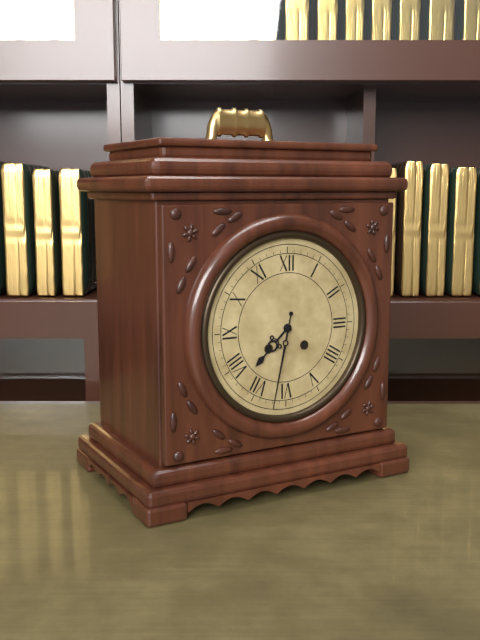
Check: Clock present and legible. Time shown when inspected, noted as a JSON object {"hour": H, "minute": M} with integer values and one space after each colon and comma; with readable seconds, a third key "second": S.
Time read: {"hour": 7, "minute": 32}
